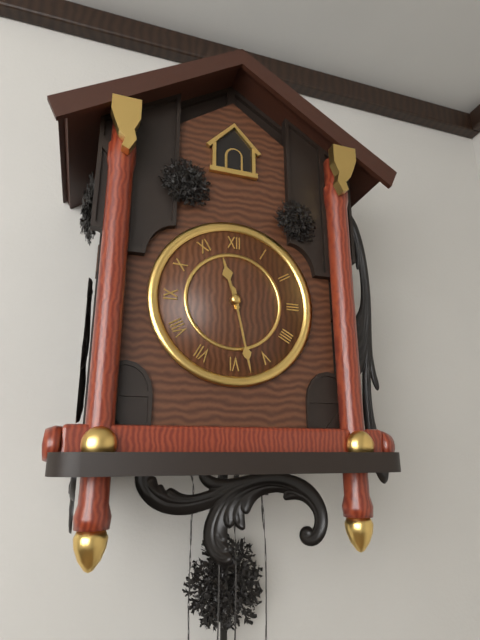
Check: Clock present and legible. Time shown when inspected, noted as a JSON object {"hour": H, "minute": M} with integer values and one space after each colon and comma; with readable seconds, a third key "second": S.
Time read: {"hour": 11, "minute": 28}
